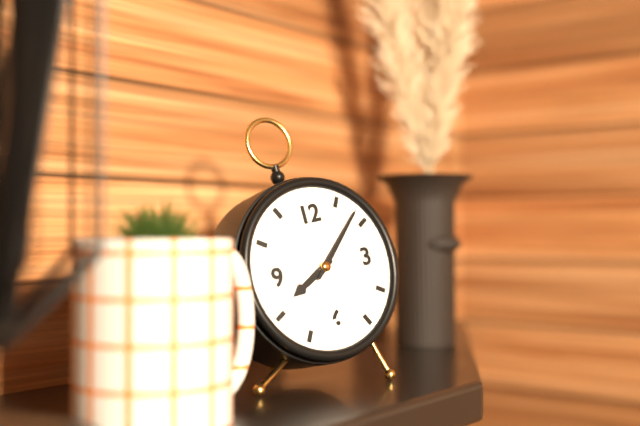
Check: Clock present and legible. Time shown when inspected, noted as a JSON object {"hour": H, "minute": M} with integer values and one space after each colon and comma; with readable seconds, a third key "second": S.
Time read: {"hour": 8, "minute": 8}
